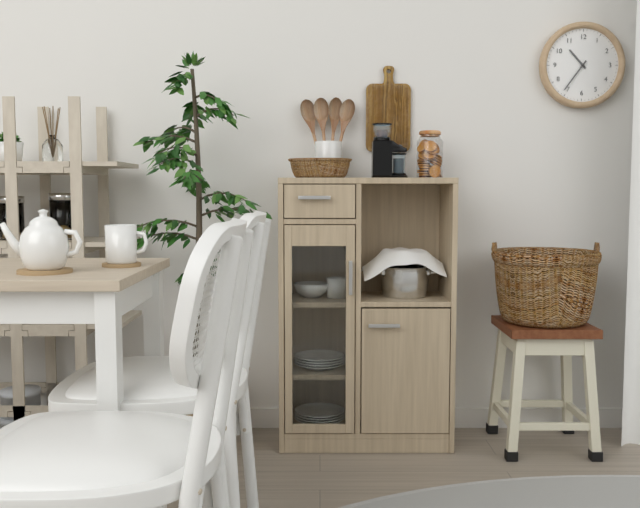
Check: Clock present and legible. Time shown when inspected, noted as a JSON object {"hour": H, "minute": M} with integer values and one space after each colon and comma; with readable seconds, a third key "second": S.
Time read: {"hour": 10, "minute": 36}
